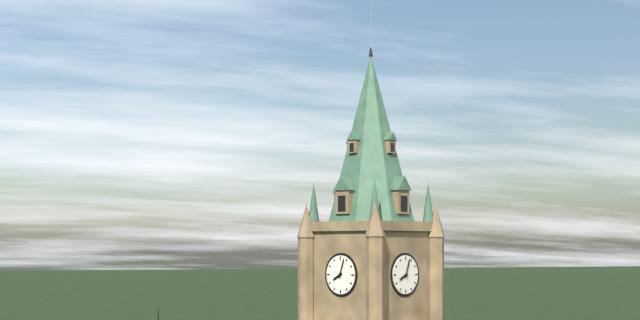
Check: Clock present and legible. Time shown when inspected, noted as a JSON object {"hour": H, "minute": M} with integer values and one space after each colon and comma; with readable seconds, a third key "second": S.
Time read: {"hour": 8, "minute": 3}
